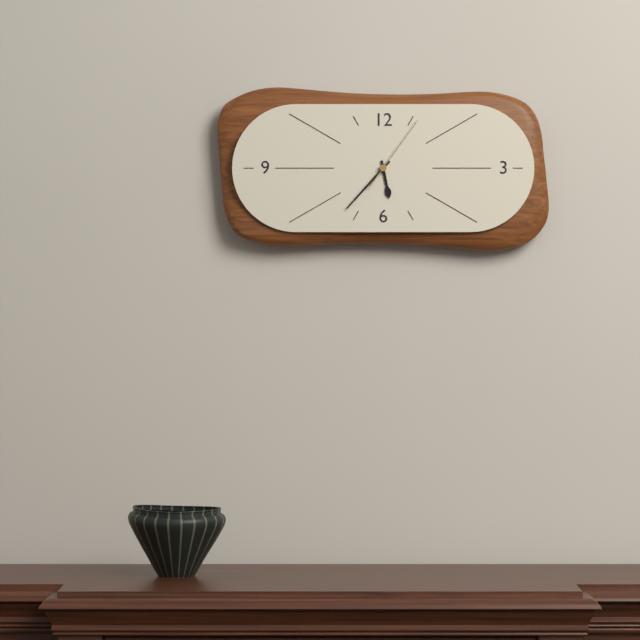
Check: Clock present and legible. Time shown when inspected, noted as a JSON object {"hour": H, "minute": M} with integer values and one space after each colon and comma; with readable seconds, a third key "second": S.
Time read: {"hour": 5, "minute": 37, "second": 6}
